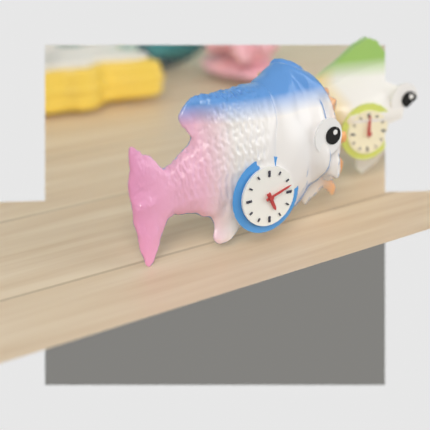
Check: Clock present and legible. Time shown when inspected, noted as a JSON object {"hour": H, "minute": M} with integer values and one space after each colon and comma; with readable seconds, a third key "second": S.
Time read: {"hour": 5, "minute": 12}
